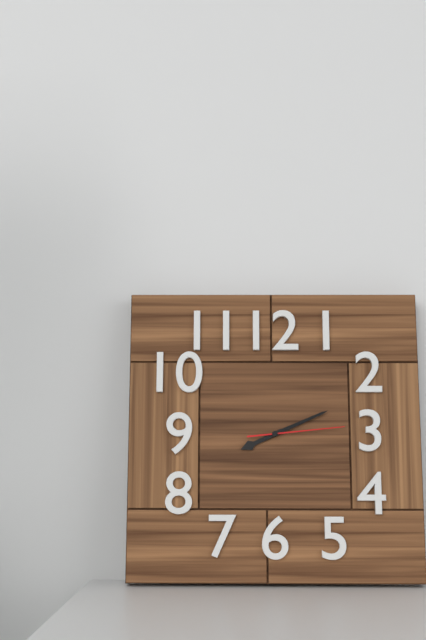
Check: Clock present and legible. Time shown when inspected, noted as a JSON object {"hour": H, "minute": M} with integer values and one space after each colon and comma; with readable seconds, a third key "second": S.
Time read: {"hour": 8, "minute": 11, "second": 14}
